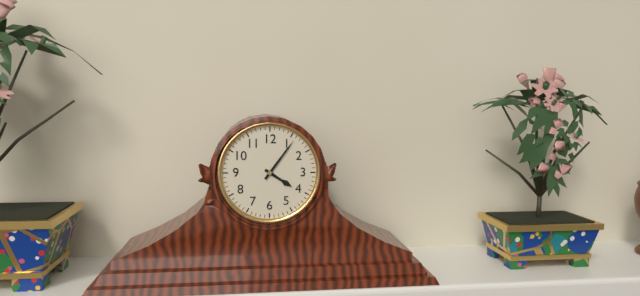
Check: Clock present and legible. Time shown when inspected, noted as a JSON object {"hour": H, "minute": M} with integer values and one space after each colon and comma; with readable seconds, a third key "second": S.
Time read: {"hour": 4, "minute": 6}
